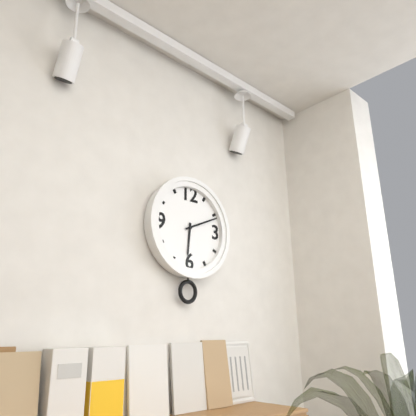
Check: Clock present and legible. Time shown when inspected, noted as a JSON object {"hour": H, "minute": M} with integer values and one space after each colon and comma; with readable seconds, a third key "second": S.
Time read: {"hour": 6, "minute": 11}
